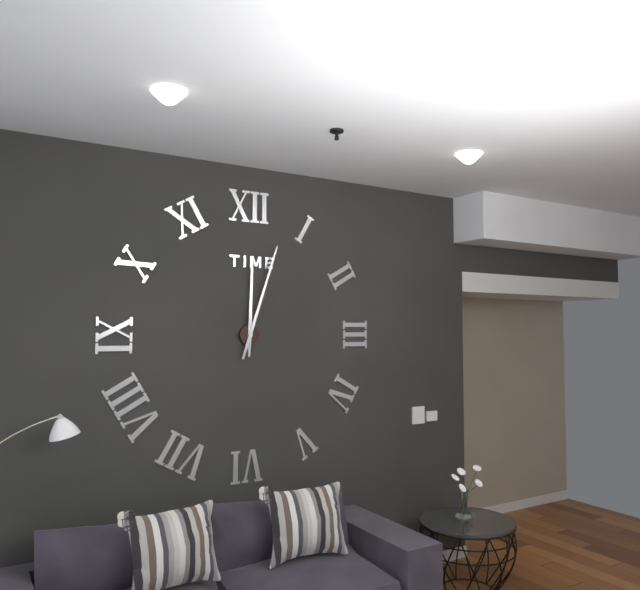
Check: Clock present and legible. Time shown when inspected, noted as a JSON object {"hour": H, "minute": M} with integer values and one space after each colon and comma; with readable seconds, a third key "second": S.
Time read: {"hour": 12, "minute": 3}
